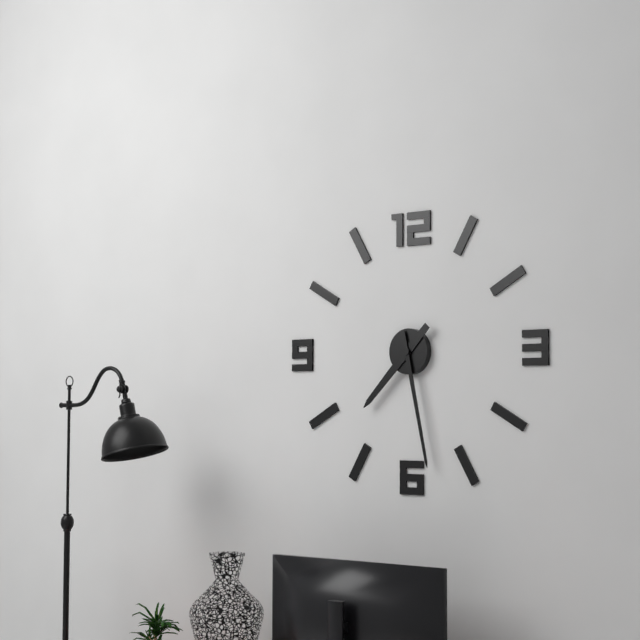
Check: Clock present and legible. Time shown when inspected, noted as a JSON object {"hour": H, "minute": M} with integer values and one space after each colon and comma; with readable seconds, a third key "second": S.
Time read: {"hour": 7, "minute": 28}
